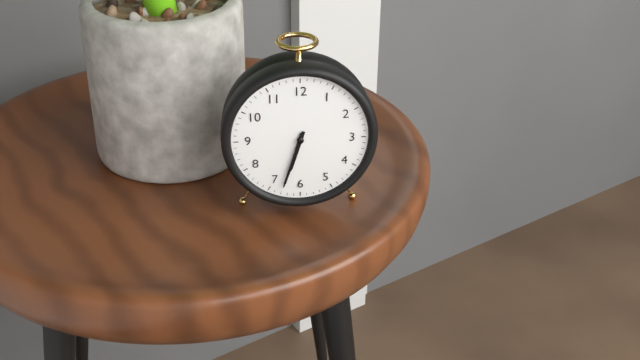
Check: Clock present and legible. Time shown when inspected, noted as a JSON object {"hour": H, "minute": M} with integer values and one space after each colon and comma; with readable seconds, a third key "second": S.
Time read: {"hour": 6, "minute": 33}
